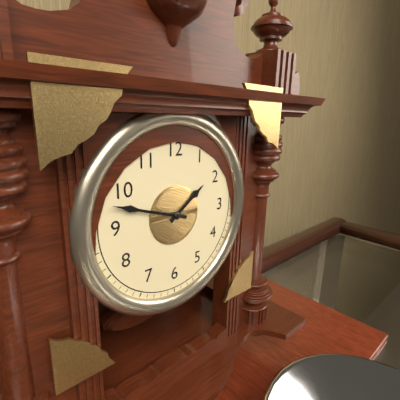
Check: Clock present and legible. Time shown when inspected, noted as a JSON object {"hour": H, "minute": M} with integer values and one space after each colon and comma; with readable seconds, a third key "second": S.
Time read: {"hour": 1, "minute": 48}
